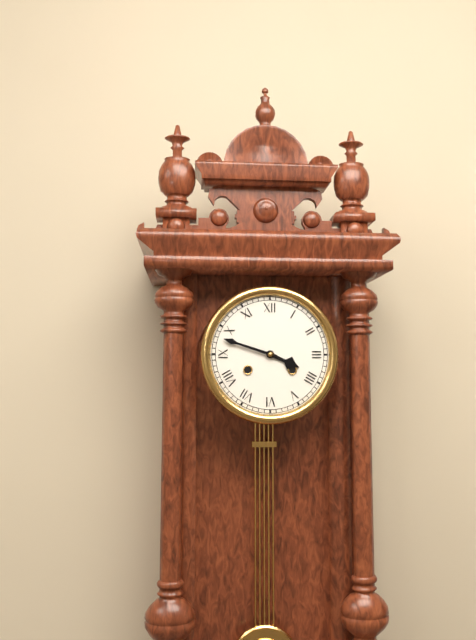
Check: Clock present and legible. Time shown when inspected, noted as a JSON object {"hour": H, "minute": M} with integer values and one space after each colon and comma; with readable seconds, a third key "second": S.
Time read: {"hour": 3, "minute": 48}
